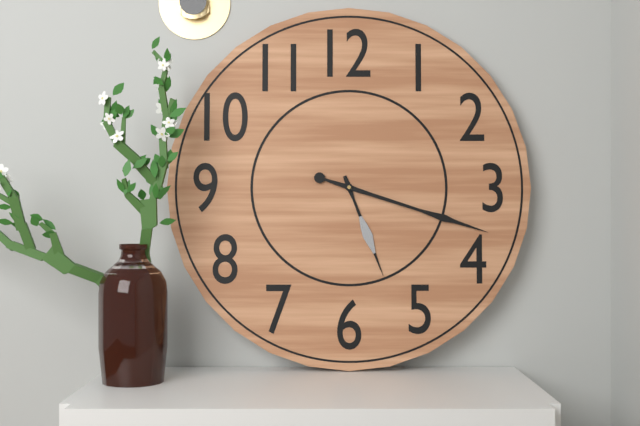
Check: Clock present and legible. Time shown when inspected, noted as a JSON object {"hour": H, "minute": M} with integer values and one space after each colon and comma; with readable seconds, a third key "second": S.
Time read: {"hour": 5, "minute": 18}
